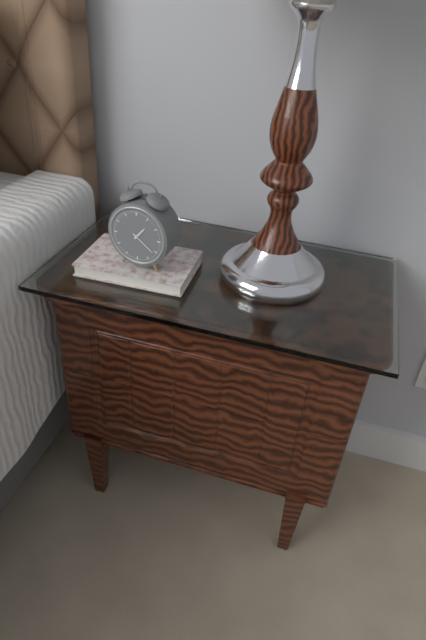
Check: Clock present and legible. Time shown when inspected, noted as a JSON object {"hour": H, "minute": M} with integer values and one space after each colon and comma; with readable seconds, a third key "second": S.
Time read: {"hour": 1, "minute": 21}
